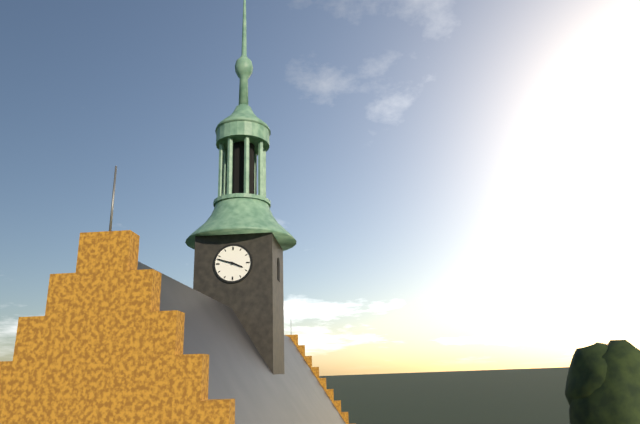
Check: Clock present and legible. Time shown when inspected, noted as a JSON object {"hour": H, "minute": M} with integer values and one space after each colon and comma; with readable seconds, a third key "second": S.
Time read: {"hour": 3, "minute": 48}
